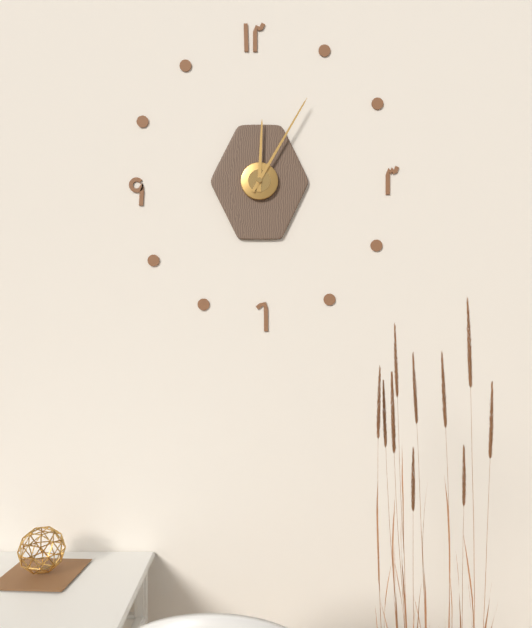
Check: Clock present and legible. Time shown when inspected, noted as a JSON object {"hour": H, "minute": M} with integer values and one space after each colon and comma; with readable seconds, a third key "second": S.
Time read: {"hour": 12, "minute": 5}
